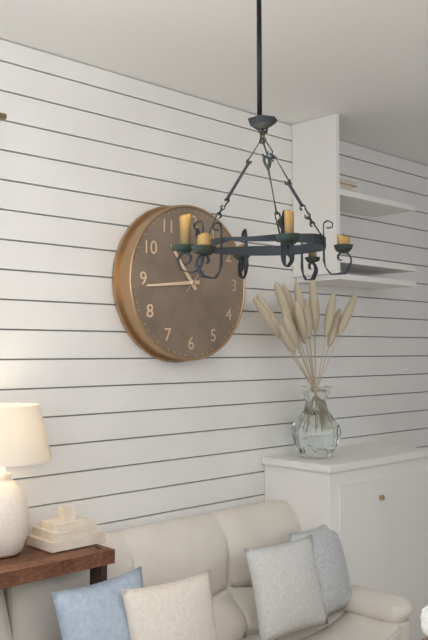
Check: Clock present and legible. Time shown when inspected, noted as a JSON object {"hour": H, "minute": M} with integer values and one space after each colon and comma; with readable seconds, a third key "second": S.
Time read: {"hour": 10, "minute": 44}
